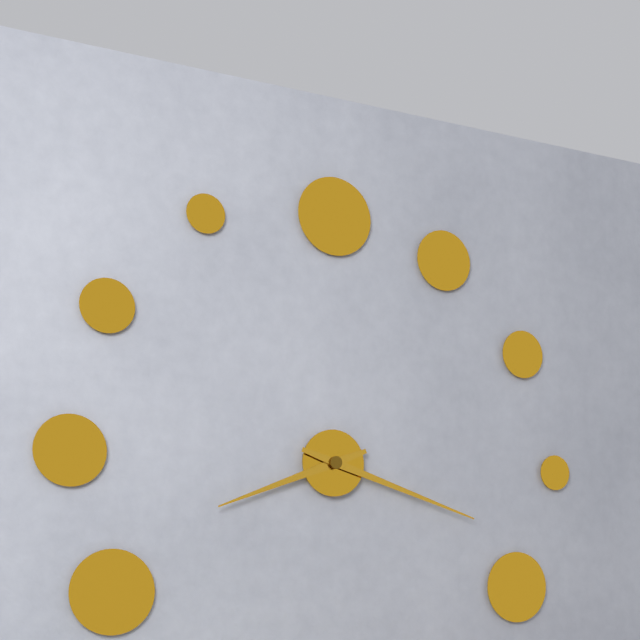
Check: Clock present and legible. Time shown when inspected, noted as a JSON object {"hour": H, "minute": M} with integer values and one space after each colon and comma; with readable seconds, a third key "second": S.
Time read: {"hour": 8, "minute": 18}
